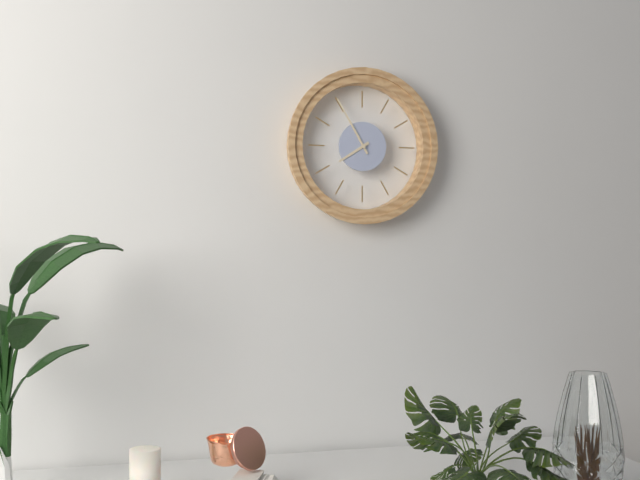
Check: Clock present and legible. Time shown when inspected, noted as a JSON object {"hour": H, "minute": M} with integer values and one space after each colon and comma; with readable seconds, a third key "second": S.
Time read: {"hour": 7, "minute": 55}
